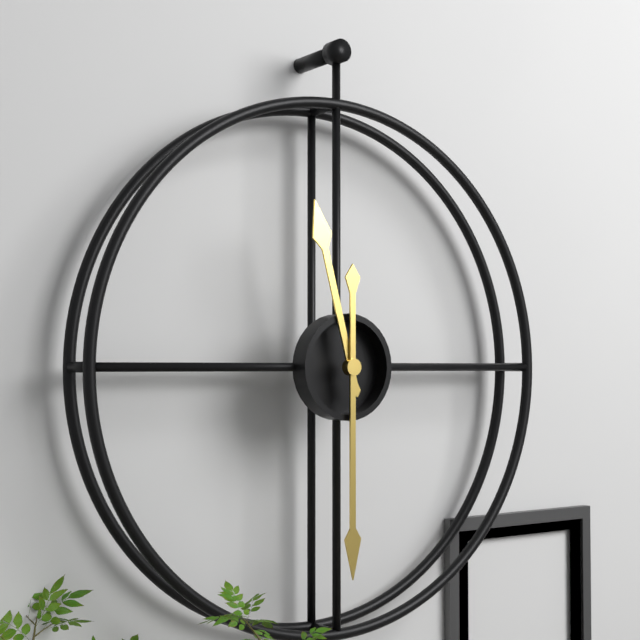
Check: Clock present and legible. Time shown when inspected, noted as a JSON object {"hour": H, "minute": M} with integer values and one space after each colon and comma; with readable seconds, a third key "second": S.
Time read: {"hour": 11, "minute": 30}
